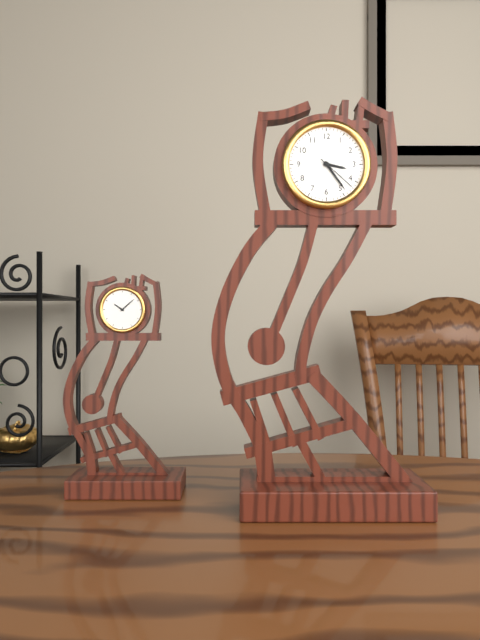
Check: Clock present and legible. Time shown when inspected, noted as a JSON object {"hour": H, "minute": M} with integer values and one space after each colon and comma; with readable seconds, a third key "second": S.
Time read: {"hour": 3, "minute": 24}
